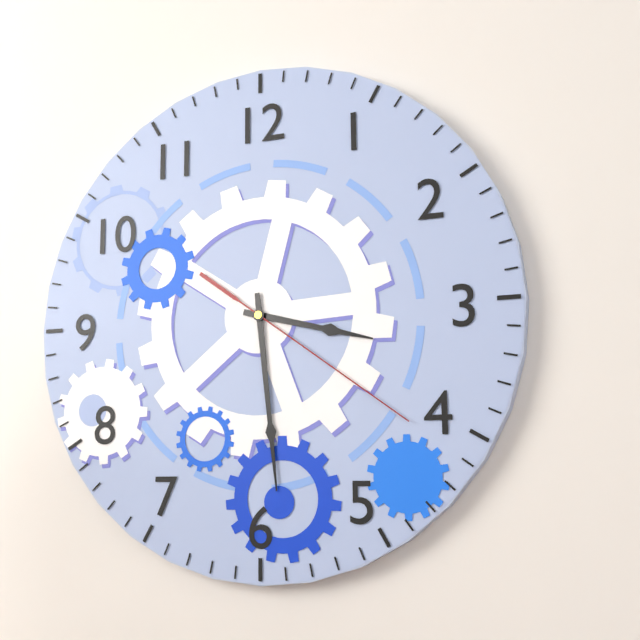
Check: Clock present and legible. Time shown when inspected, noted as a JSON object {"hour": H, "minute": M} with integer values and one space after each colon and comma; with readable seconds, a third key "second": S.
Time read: {"hour": 3, "minute": 29, "second": 21}
